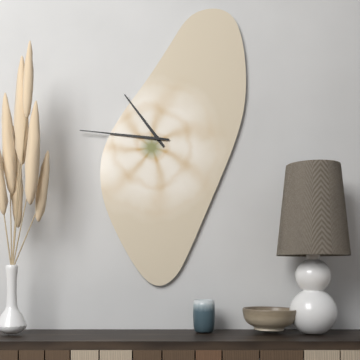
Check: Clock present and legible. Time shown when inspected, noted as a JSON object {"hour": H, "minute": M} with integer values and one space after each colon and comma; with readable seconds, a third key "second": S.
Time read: {"hour": 10, "minute": 46}
